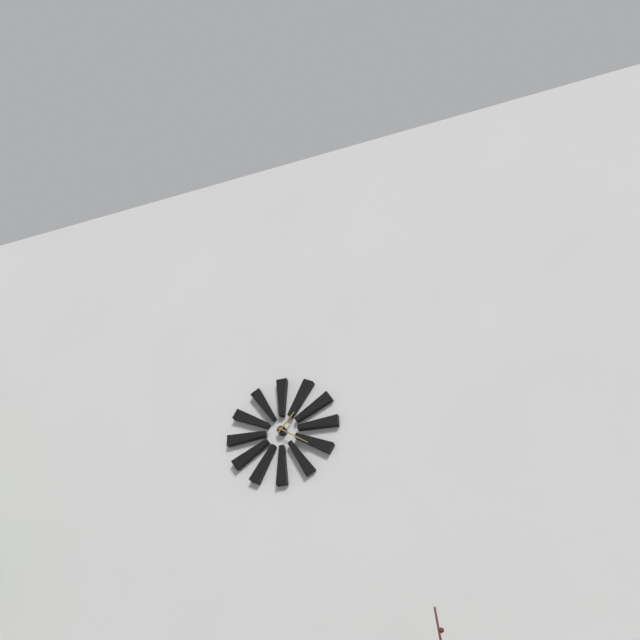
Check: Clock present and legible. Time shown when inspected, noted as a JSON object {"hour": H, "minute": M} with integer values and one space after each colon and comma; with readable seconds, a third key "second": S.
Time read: {"hour": 1, "minute": 21}
